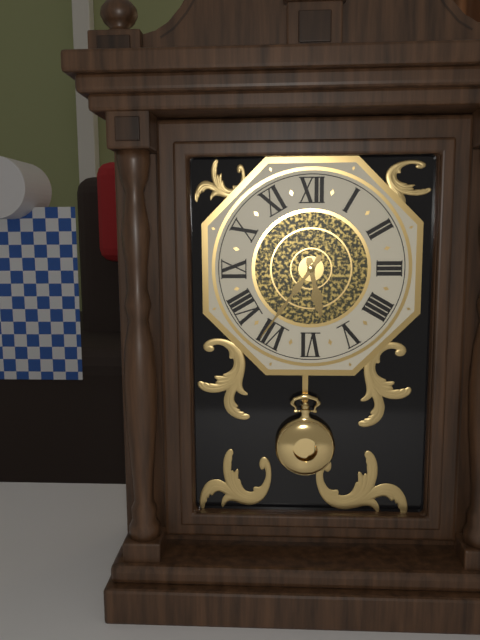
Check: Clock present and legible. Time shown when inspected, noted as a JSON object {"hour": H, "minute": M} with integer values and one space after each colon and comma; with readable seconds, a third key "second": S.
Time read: {"hour": 5, "minute": 36}
